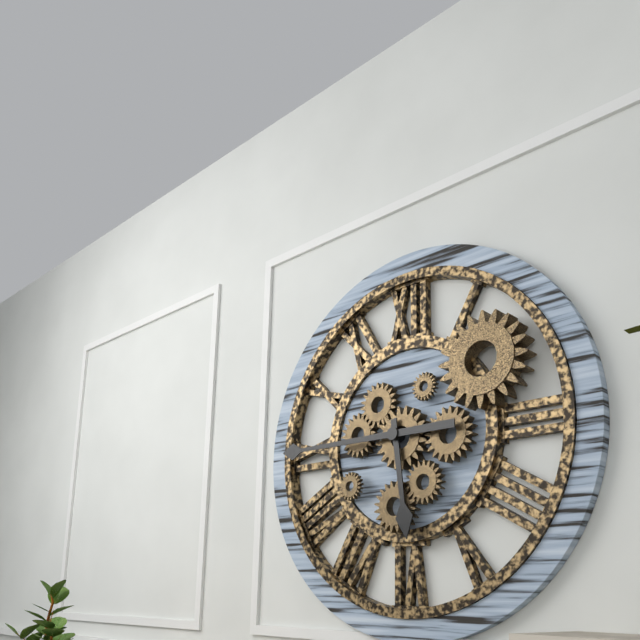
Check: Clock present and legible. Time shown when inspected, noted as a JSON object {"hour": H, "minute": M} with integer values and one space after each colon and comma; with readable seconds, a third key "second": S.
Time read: {"hour": 5, "minute": 45}
